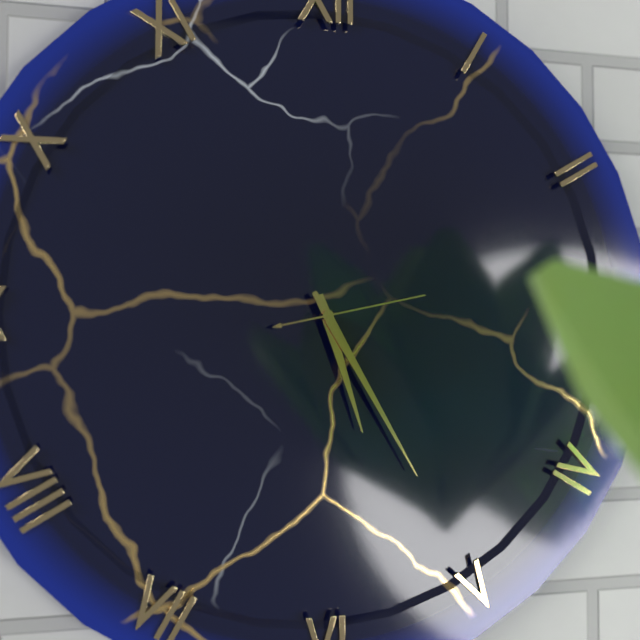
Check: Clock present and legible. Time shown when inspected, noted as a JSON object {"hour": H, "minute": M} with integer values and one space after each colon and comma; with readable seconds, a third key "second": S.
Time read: {"hour": 5, "minute": 25, "second": 13}
